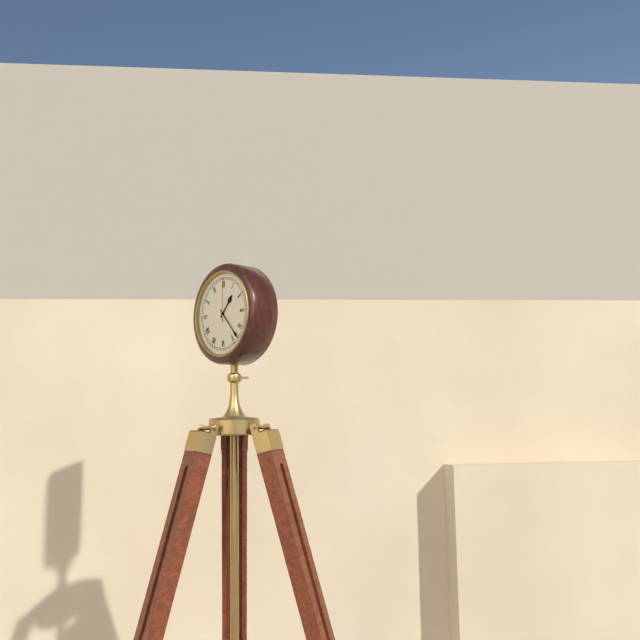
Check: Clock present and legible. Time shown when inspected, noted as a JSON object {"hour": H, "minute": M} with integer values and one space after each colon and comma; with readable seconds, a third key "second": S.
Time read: {"hour": 1, "minute": 23}
